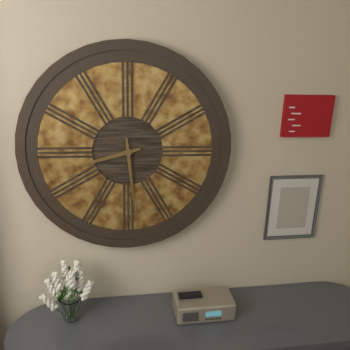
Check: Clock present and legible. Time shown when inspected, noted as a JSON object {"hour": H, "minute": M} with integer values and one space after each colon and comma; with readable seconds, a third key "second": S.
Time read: {"hour": 8, "minute": 29}
